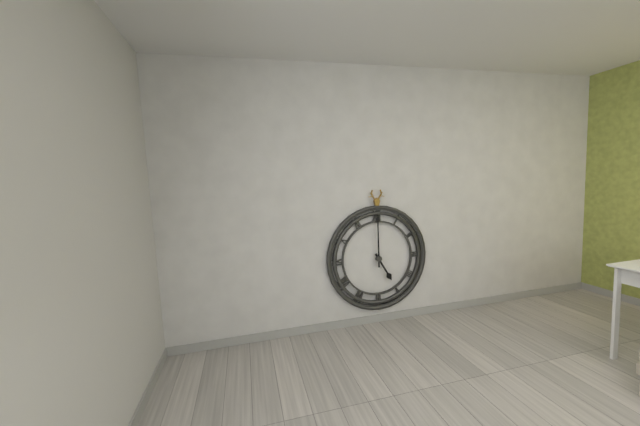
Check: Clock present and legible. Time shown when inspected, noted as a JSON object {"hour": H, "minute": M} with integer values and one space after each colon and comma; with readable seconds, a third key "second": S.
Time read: {"hour": 5, "minute": 0}
